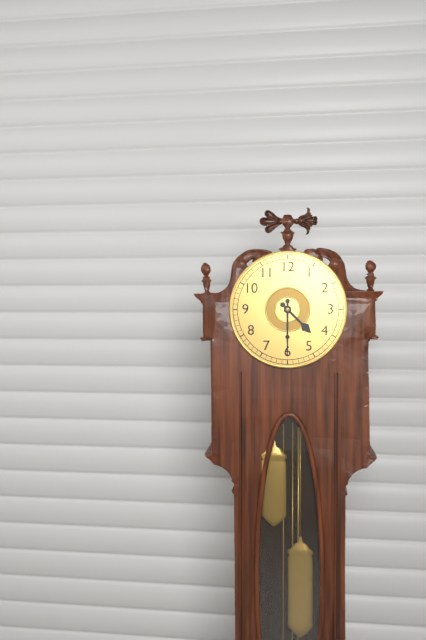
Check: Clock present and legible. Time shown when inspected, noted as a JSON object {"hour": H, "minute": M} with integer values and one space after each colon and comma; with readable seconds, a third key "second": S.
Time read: {"hour": 4, "minute": 30}
